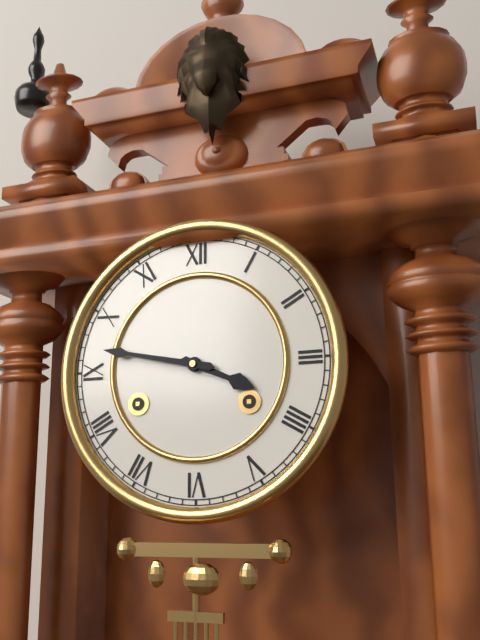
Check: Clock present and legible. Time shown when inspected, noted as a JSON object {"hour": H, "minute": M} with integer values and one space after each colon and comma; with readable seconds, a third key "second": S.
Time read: {"hour": 3, "minute": 47}
